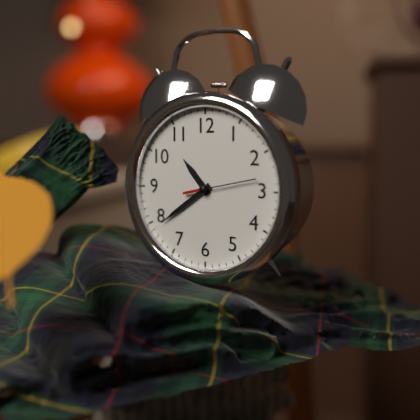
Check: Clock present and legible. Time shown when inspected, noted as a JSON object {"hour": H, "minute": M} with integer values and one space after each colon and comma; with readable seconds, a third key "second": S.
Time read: {"hour": 10, "minute": 39, "second": 13}
